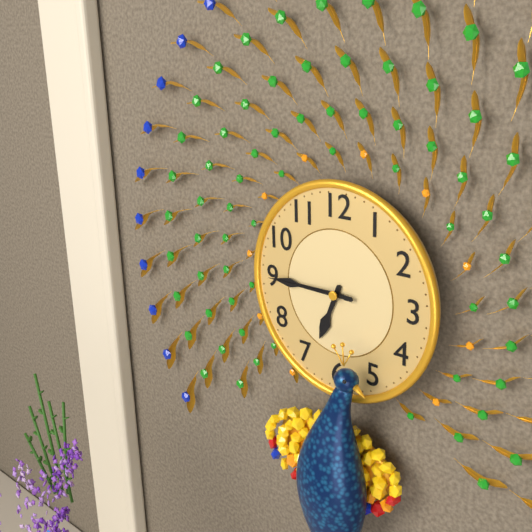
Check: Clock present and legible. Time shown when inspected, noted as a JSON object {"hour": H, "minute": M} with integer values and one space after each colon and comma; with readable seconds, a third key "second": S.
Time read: {"hour": 6, "minute": 45, "second": 45}
